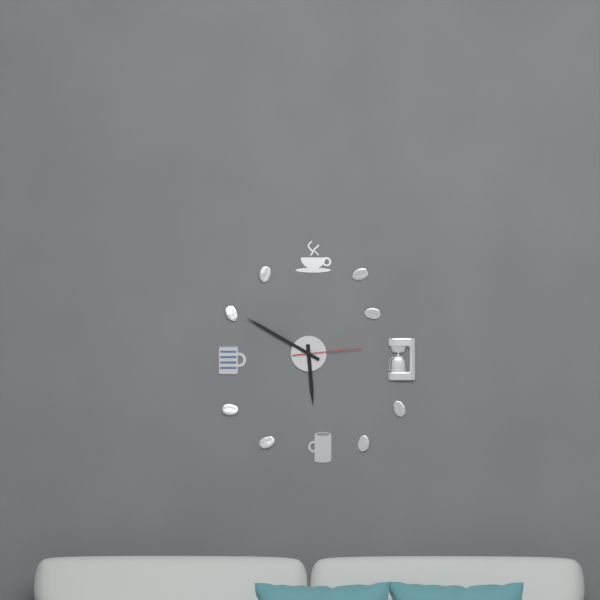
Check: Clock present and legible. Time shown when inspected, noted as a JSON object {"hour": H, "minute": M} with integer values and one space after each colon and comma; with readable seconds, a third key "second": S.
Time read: {"hour": 5, "minute": 50, "second": 14}
